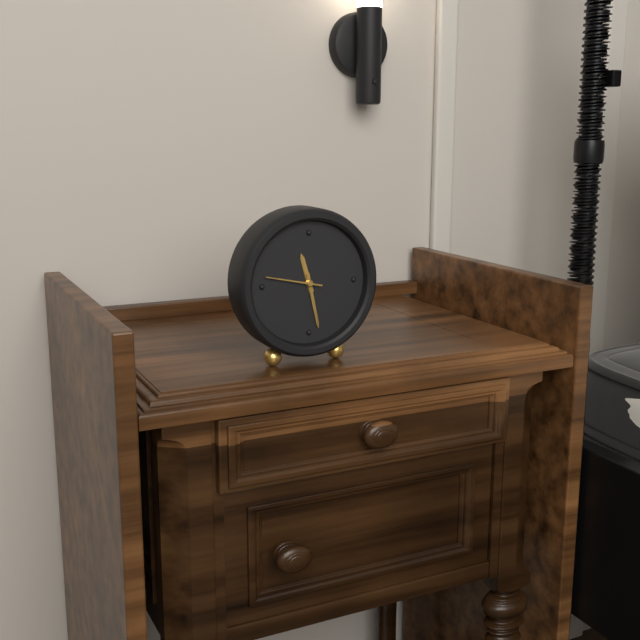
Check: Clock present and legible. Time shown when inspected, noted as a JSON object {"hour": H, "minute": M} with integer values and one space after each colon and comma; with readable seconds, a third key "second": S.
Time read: {"hour": 11, "minute": 28, "second": 47}
